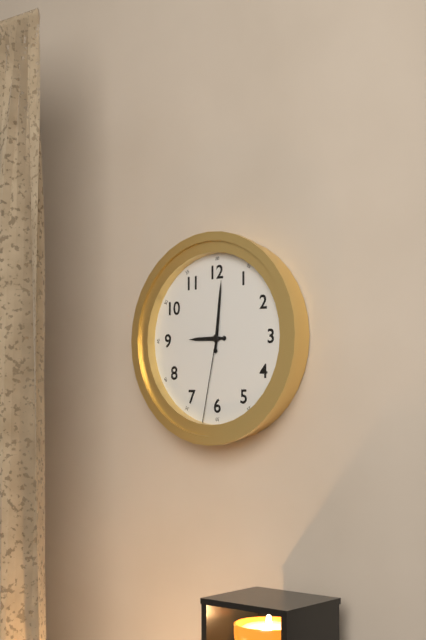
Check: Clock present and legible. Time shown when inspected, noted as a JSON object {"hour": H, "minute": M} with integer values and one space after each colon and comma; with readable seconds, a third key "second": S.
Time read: {"hour": 9, "minute": 1, "second": 32}
